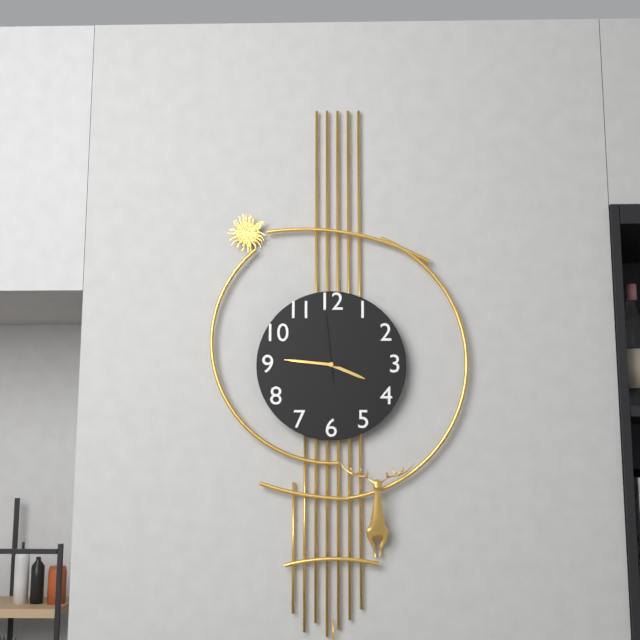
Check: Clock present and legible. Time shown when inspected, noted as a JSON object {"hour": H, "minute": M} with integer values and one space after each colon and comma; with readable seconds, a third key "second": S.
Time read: {"hour": 3, "minute": 46, "second": 59}
